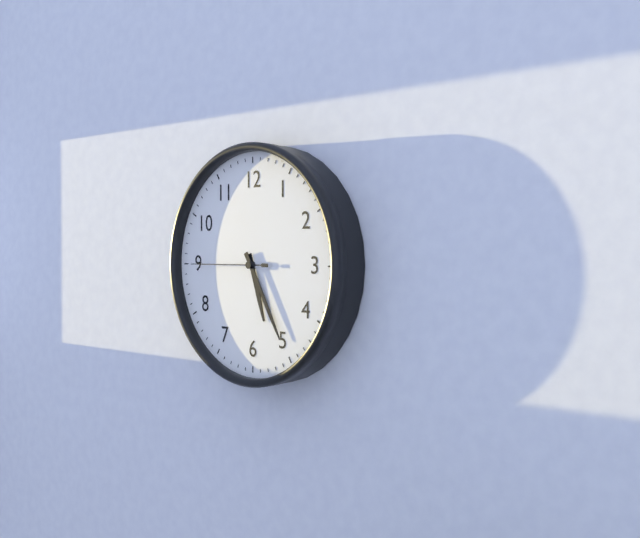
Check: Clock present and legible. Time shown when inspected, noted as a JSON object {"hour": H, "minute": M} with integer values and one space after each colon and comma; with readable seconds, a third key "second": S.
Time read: {"hour": 5, "minute": 25, "second": 45}
